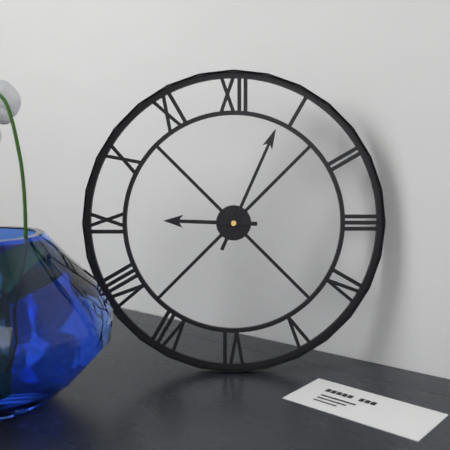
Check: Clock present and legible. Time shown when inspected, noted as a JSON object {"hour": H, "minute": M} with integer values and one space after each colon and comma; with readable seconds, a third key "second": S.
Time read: {"hour": 9, "minute": 4}
